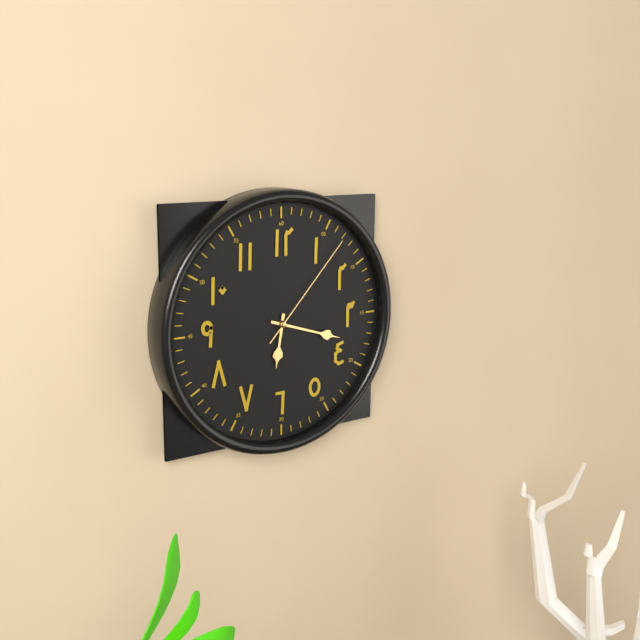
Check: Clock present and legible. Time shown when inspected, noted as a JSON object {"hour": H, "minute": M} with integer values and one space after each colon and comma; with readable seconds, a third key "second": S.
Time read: {"hour": 6, "minute": 18, "second": 7}
